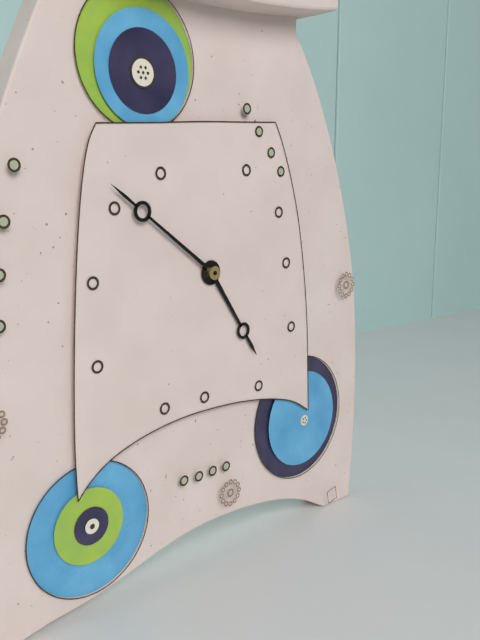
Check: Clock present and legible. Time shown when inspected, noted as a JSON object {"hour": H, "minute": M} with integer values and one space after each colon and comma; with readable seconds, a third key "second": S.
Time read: {"hour": 4, "minute": 51}
